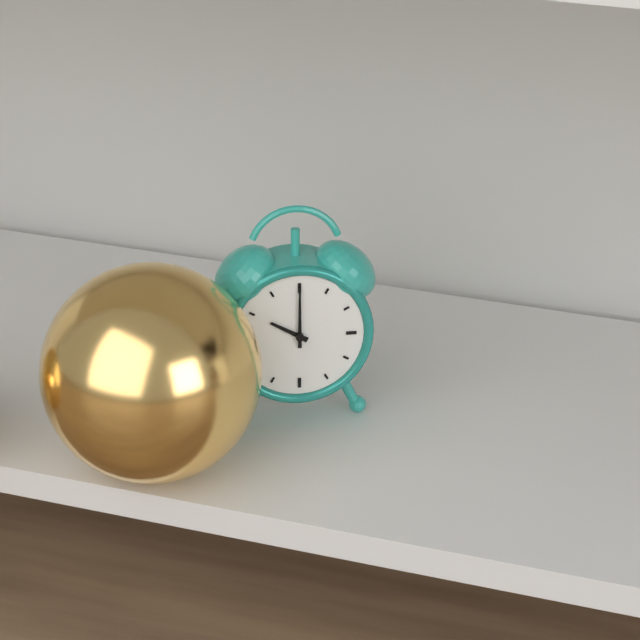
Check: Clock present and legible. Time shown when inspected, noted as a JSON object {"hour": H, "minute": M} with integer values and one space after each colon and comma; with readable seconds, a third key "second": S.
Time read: {"hour": 10, "minute": 0}
